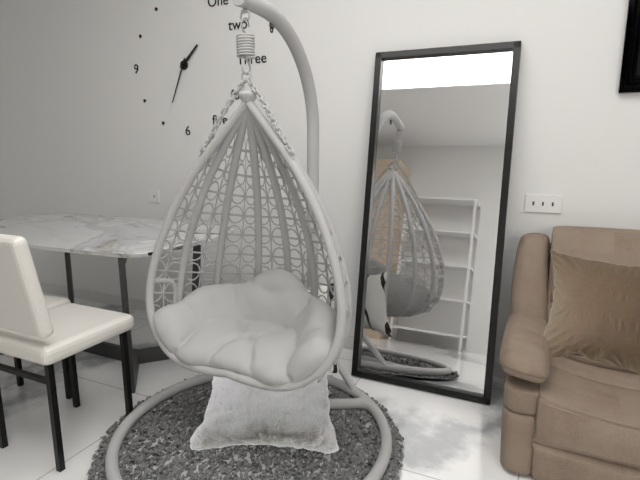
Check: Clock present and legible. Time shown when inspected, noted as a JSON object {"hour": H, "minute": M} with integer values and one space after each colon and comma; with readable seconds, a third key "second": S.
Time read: {"hour": 1, "minute": 34}
